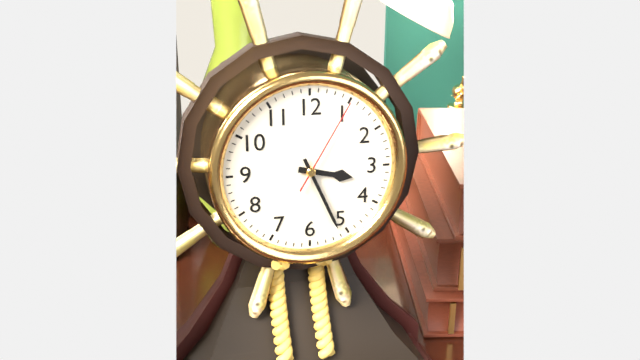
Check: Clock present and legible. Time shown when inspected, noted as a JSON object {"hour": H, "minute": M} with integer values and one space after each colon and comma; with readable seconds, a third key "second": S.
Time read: {"hour": 3, "minute": 26, "second": 5}
